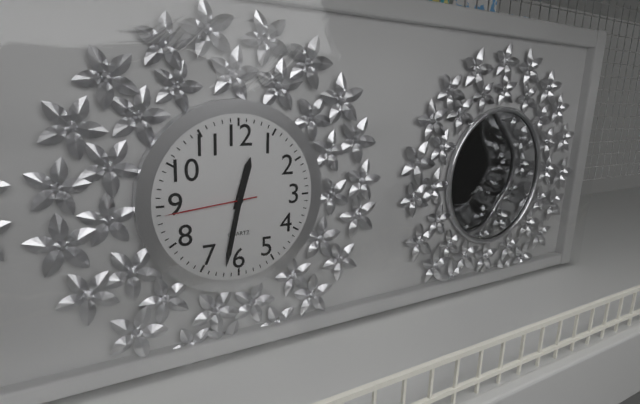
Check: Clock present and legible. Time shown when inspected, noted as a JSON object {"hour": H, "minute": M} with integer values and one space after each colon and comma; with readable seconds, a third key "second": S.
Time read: {"hour": 12, "minute": 32, "second": 44}
